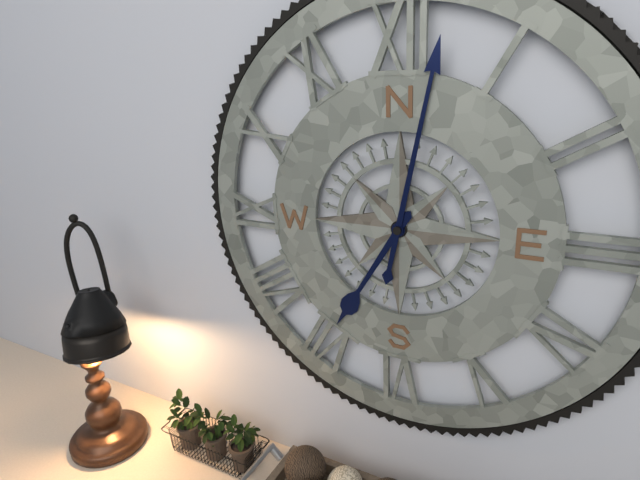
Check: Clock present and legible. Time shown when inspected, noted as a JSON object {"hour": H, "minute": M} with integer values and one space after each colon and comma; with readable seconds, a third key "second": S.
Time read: {"hour": 7, "minute": 2}
